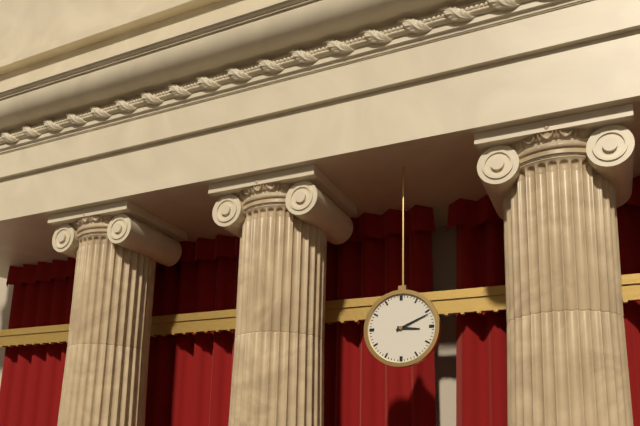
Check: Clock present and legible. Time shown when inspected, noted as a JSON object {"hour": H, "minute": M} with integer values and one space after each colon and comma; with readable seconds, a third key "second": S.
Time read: {"hour": 3, "minute": 11}
